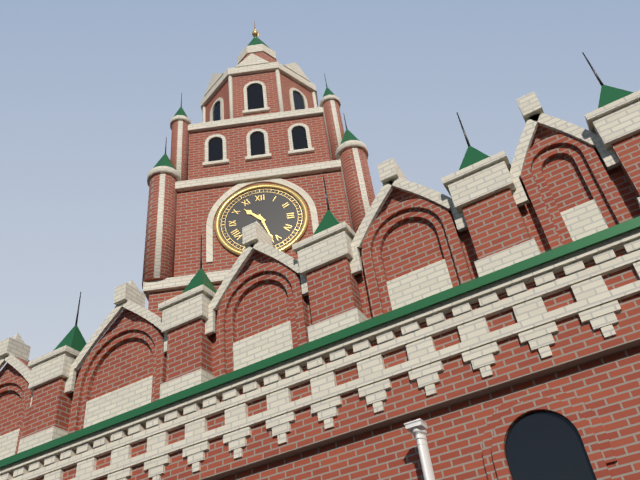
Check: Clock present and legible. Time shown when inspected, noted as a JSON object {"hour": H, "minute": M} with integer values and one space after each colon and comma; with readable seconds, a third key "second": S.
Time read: {"hour": 10, "minute": 27}
